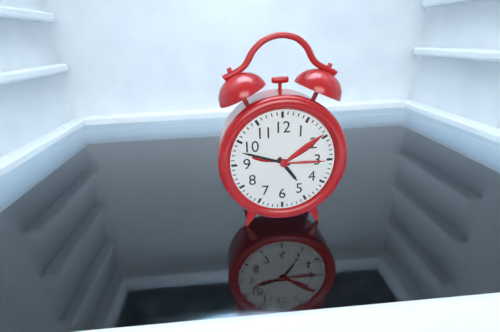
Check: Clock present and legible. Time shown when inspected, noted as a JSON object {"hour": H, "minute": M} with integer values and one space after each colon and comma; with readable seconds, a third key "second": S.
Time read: {"hour": 4, "minute": 48}
